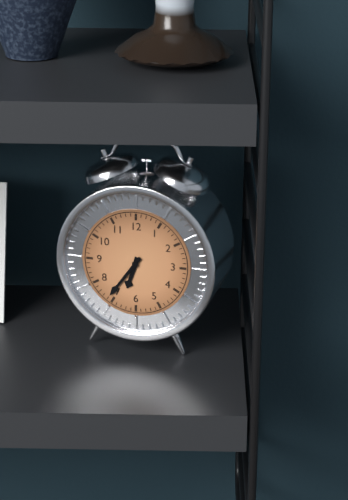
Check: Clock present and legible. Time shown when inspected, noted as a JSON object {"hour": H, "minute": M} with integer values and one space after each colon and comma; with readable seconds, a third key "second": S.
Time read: {"hour": 6, "minute": 36}
